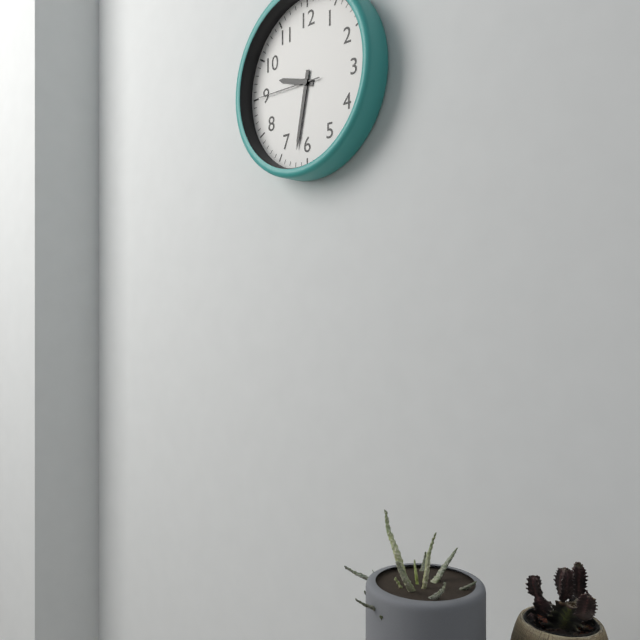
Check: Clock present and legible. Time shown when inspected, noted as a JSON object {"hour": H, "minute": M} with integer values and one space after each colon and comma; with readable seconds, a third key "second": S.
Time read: {"hour": 9, "minute": 32, "second": 45}
